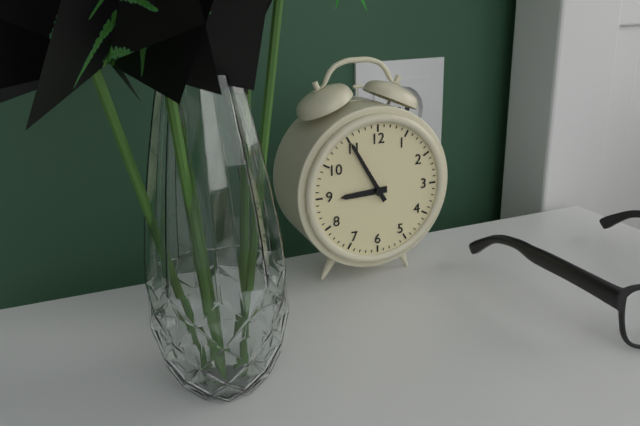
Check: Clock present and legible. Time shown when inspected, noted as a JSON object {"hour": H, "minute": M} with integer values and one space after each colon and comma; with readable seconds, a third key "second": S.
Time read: {"hour": 8, "minute": 55}
